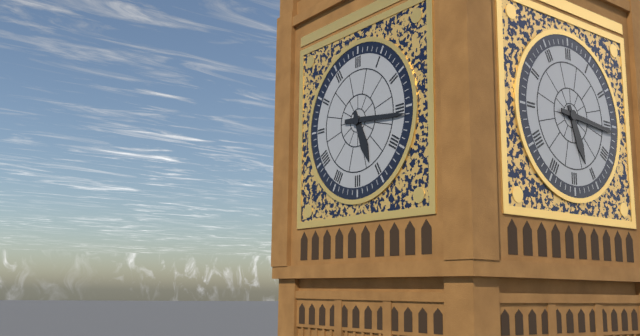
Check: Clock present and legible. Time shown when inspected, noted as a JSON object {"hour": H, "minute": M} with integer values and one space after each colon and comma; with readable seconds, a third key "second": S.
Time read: {"hour": 5, "minute": 16}
